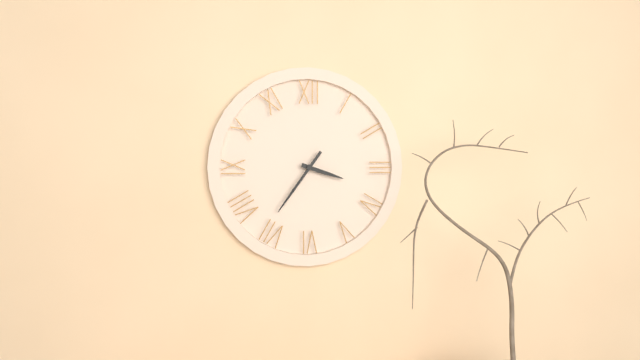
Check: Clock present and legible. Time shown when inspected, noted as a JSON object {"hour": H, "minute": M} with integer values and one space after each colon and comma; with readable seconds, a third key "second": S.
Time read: {"hour": 3, "minute": 36}
